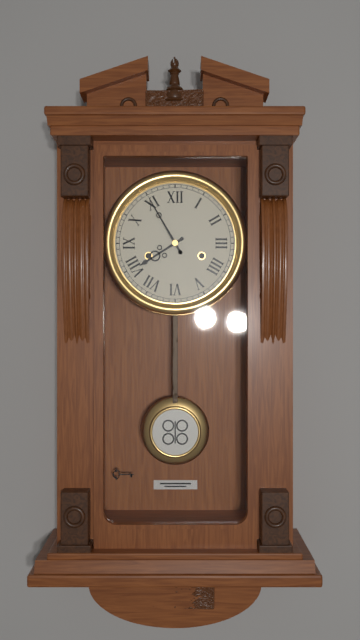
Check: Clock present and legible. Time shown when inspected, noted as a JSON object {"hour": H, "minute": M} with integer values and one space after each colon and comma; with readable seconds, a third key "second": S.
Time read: {"hour": 7, "minute": 55}
